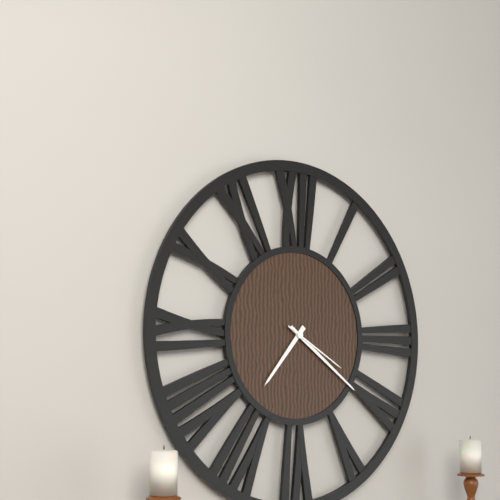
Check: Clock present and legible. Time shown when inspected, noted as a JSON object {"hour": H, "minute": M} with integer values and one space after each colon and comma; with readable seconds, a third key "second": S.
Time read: {"hour": 7, "minute": 21, "second": 20}
